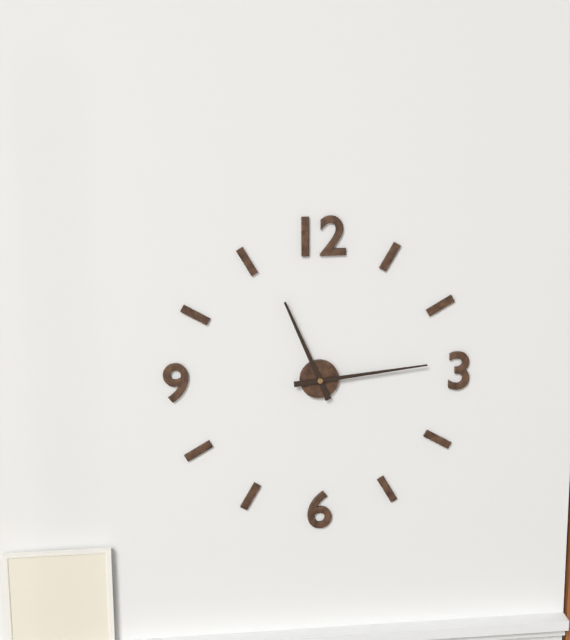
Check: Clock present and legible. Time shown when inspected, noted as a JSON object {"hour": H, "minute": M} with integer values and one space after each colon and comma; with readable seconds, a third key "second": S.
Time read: {"hour": 11, "minute": 14}
